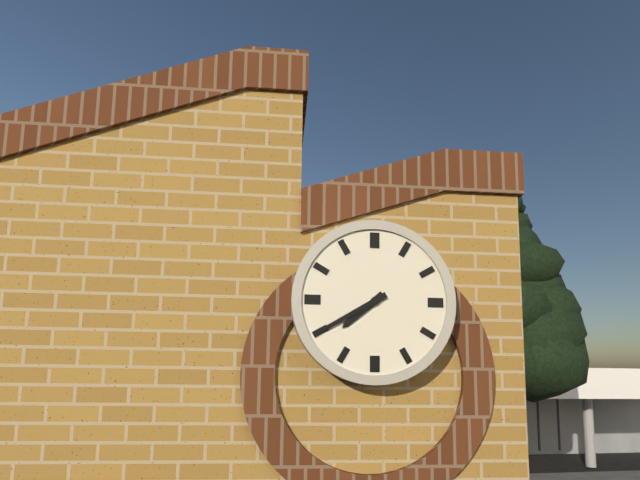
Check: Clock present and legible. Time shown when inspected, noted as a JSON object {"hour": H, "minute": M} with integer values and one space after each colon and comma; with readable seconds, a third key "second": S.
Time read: {"hour": 7, "minute": 40}
